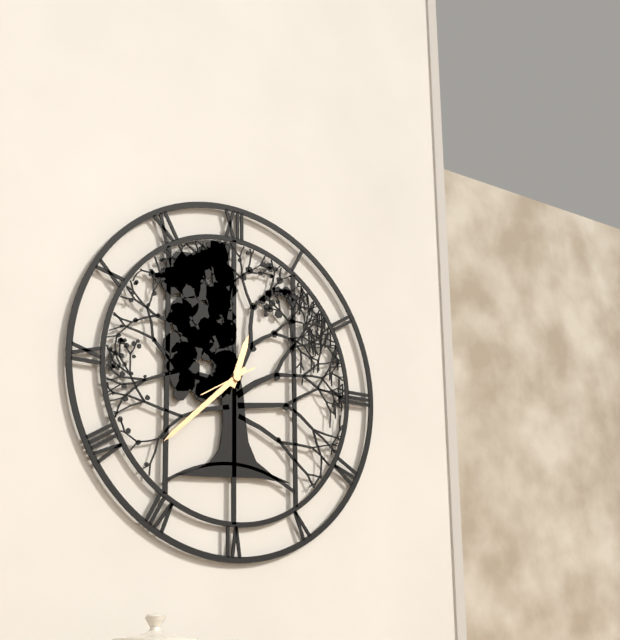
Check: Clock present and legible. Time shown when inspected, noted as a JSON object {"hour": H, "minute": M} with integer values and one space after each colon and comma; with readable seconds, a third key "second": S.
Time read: {"hour": 12, "minute": 38, "second": 40}
